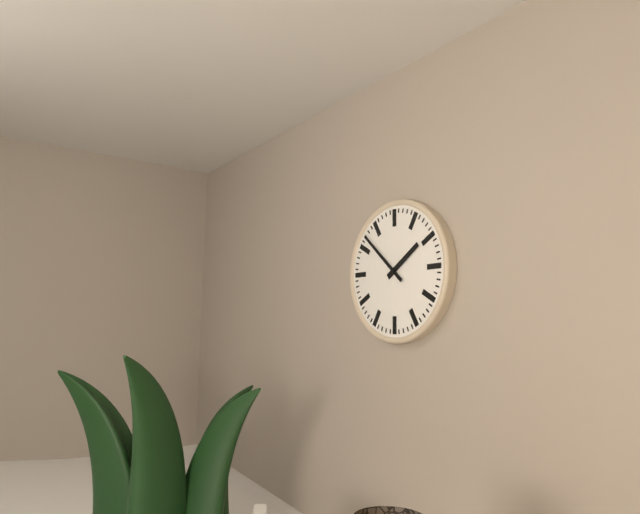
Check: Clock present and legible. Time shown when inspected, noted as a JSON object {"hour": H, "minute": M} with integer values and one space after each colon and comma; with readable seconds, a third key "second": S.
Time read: {"hour": 1, "minute": 52}
